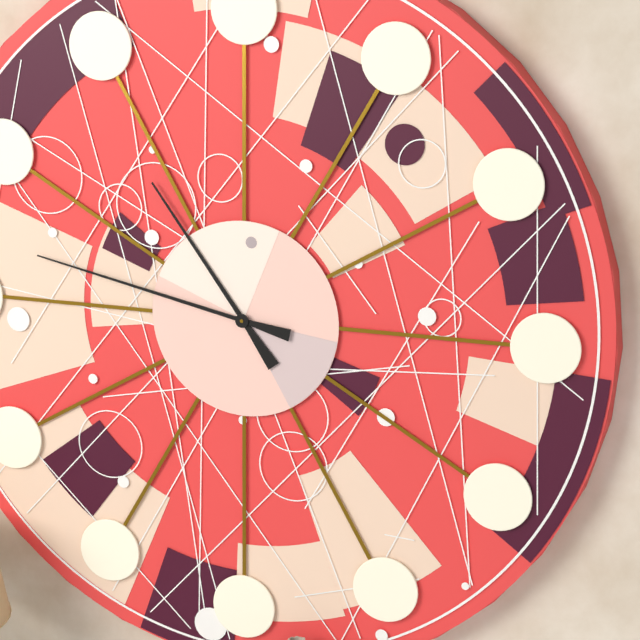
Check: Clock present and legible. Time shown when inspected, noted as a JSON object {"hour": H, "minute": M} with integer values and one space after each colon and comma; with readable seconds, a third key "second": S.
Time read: {"hour": 10, "minute": 47}
